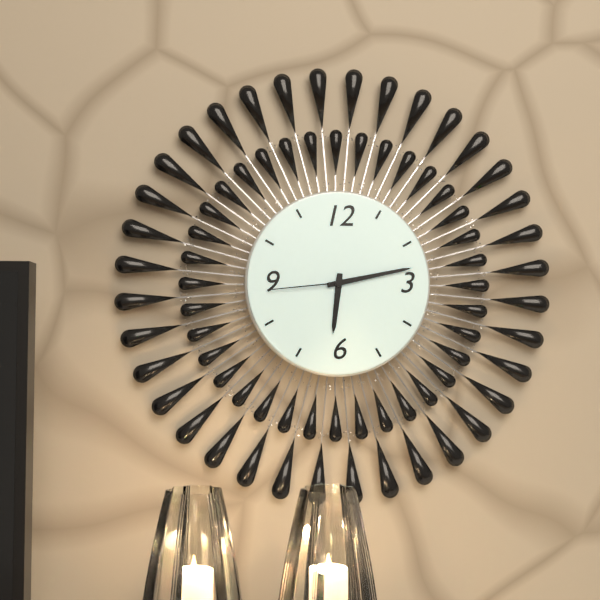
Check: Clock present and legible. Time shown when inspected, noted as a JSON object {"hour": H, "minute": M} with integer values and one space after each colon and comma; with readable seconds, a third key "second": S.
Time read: {"hour": 6, "minute": 13, "second": 44}
